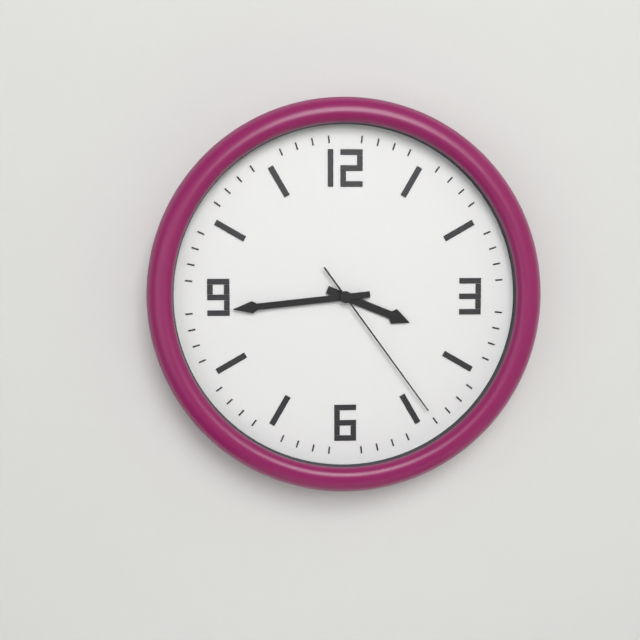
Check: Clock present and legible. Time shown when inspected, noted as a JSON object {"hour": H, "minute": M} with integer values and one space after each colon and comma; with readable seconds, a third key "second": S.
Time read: {"hour": 3, "minute": 44, "second": 24}
